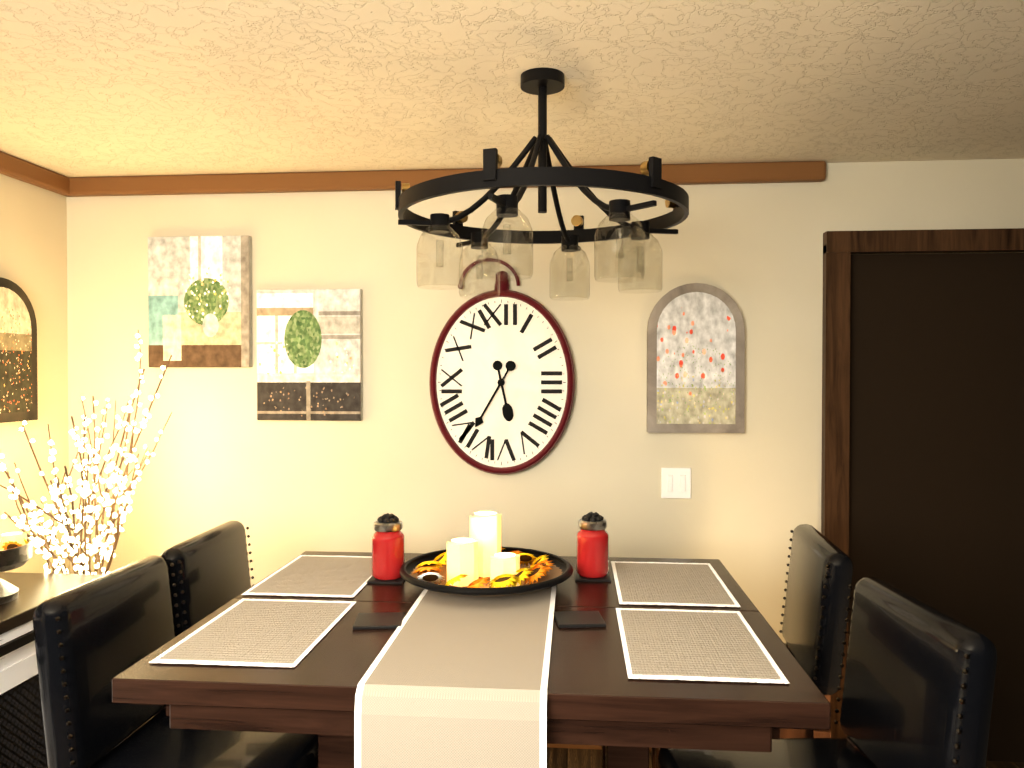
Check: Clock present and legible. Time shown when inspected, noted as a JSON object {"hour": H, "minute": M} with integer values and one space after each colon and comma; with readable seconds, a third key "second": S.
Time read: {"hour": 5, "minute": 35}
